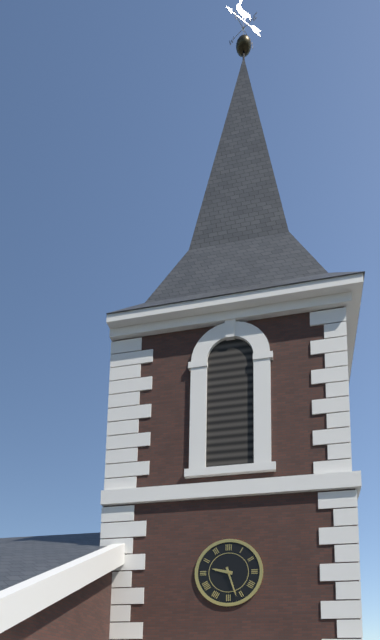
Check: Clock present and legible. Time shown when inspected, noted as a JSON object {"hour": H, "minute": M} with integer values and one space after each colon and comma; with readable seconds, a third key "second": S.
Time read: {"hour": 9, "minute": 27}
